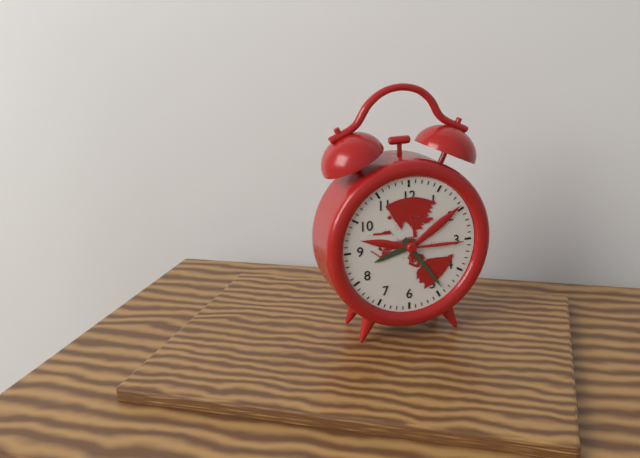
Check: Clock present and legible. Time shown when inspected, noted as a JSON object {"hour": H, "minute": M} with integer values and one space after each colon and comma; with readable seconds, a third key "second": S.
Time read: {"hour": 8, "minute": 24}
